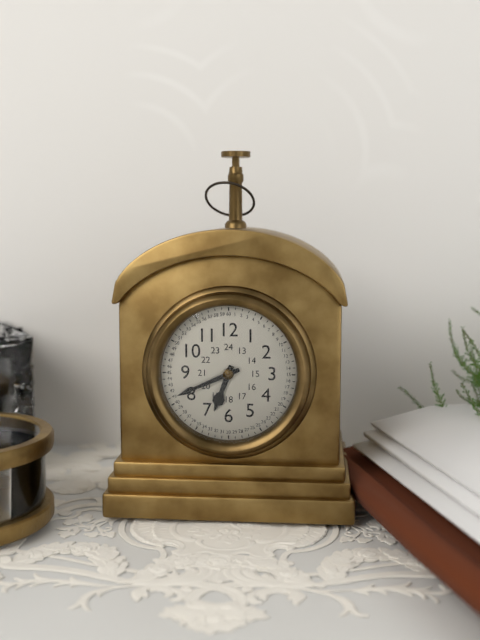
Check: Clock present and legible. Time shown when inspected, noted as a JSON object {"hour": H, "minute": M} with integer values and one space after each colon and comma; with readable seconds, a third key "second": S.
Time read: {"hour": 6, "minute": 41}
